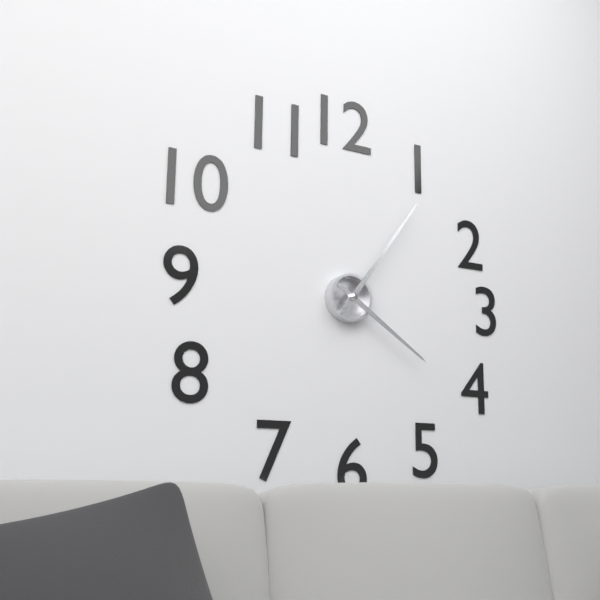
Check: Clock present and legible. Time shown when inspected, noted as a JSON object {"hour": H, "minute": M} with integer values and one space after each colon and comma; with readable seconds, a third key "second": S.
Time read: {"hour": 4, "minute": 6}
